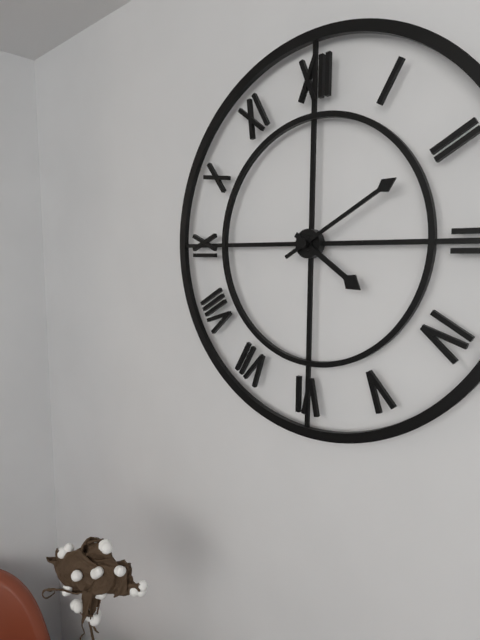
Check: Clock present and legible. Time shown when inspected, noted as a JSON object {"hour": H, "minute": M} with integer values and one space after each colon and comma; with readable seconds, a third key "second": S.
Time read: {"hour": 4, "minute": 10}
